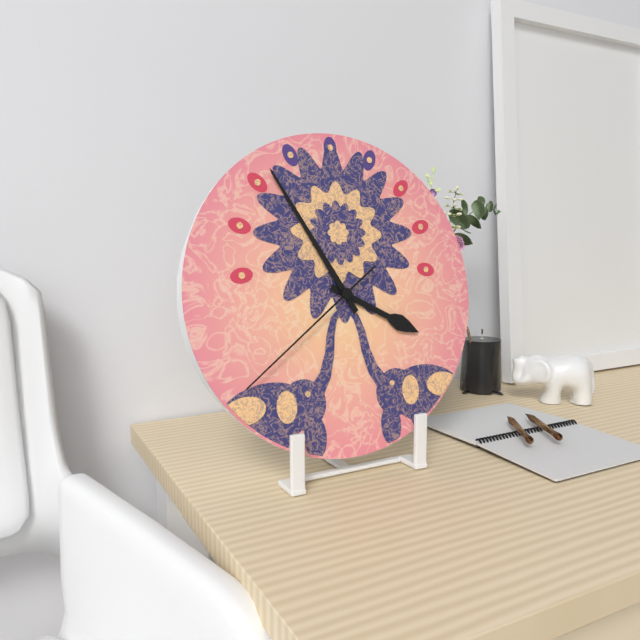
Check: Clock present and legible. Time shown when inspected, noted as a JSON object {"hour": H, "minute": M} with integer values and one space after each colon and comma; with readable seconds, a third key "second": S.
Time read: {"hour": 3, "minute": 55, "second": 39}
